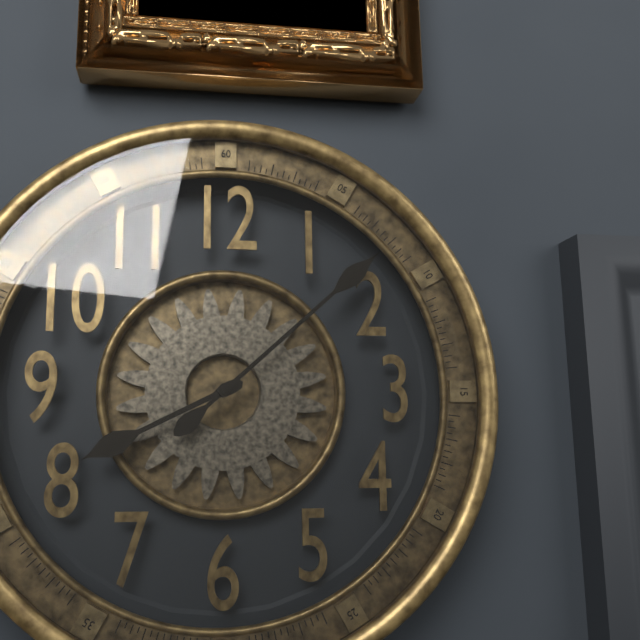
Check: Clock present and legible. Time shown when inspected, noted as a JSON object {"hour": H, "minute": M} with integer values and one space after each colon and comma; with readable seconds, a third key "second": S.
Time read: {"hour": 8, "minute": 8}
